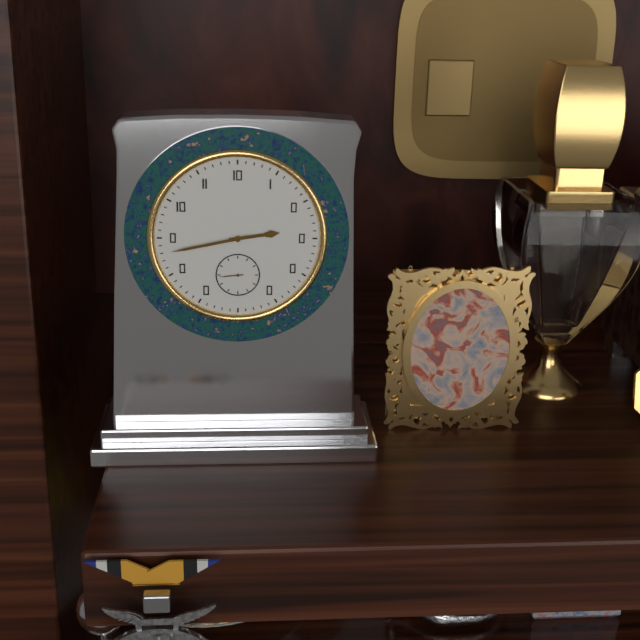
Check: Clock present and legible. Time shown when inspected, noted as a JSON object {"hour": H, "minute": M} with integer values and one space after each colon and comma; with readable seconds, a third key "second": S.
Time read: {"hour": 2, "minute": 43}
